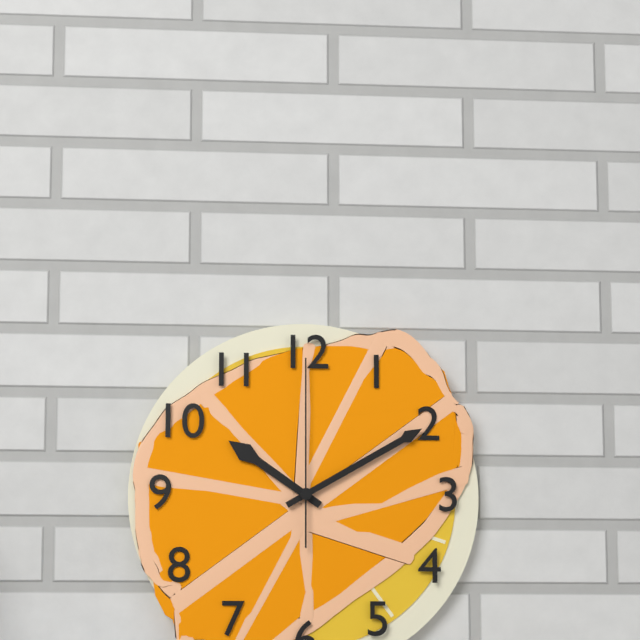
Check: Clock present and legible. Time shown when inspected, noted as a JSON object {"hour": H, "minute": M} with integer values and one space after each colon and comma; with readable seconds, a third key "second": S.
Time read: {"hour": 10, "minute": 10, "second": 0}
